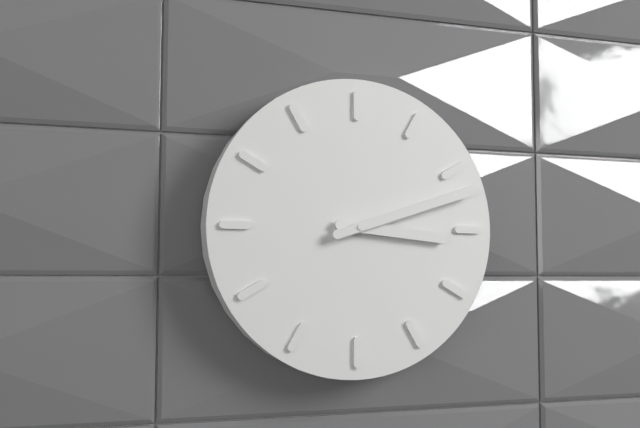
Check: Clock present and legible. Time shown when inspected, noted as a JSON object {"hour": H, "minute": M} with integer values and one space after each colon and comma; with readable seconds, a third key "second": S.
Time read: {"hour": 3, "minute": 12}
